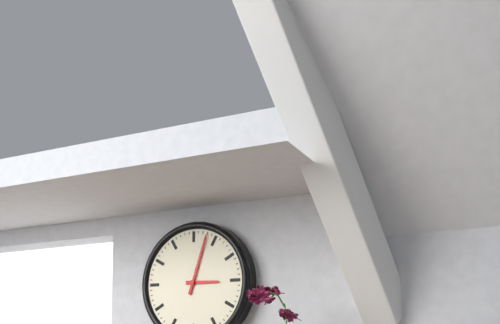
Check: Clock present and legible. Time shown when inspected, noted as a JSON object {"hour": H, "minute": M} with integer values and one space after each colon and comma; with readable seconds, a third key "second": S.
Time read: {"hour": 3, "minute": 3}
